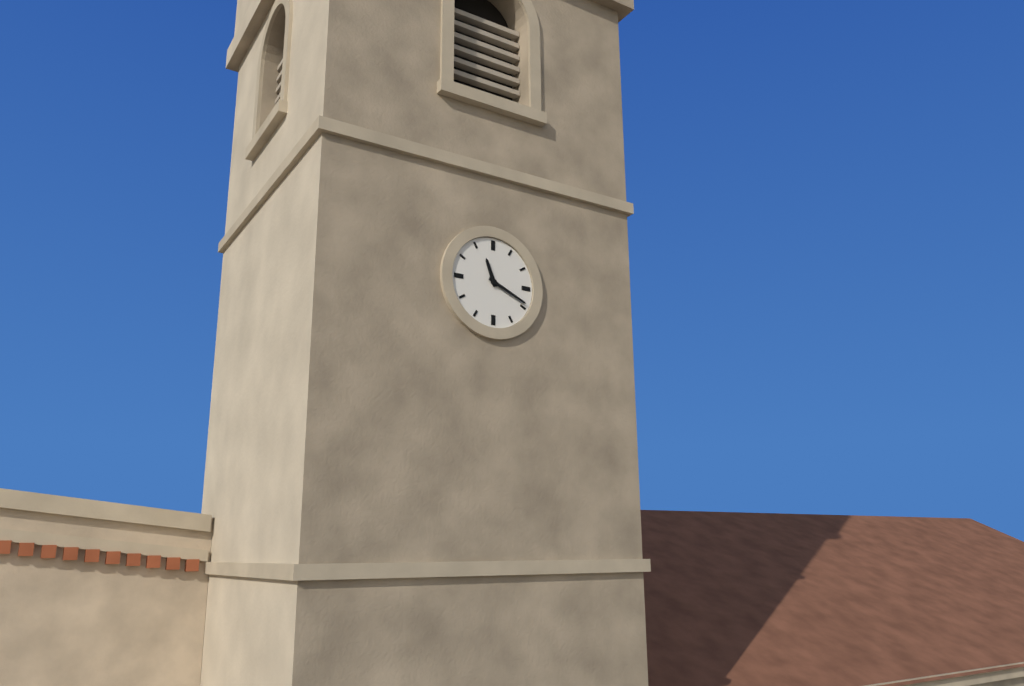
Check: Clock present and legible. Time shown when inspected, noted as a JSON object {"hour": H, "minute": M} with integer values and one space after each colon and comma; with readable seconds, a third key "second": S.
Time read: {"hour": 11, "minute": 19}
